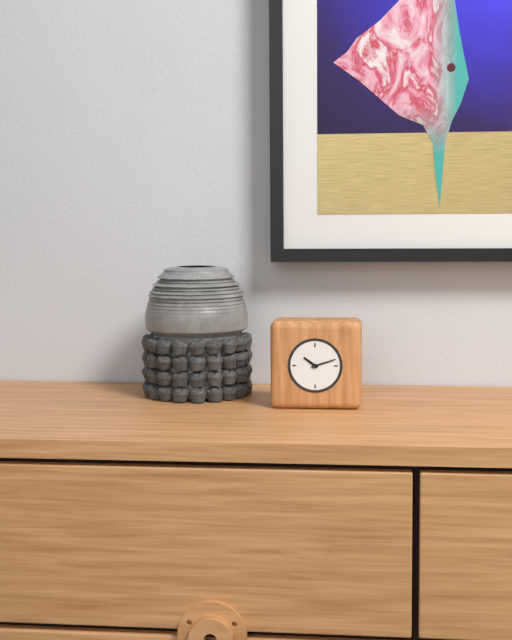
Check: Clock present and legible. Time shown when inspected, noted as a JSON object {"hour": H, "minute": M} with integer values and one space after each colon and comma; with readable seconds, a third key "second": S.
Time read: {"hour": 10, "minute": 12}
